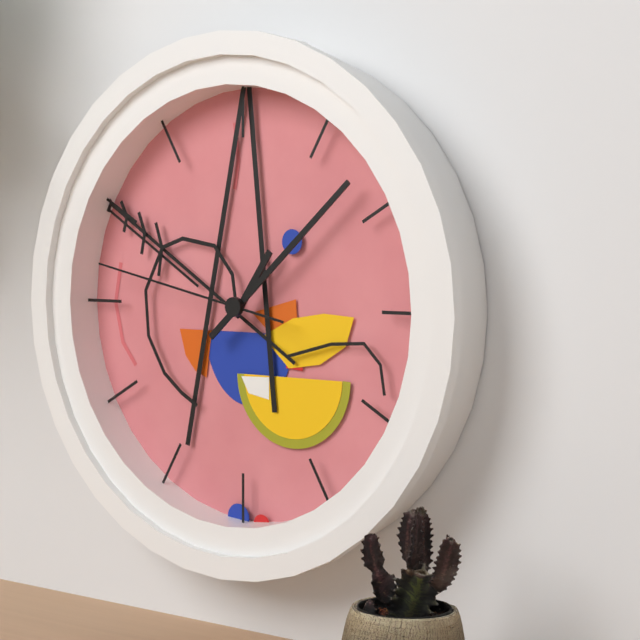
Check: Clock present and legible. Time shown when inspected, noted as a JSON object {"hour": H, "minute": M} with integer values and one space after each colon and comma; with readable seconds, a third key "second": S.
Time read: {"hour": 1, "minute": 8, "second": 47}
